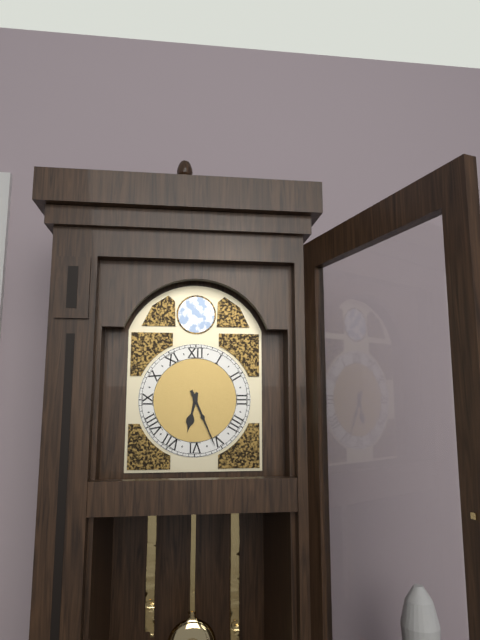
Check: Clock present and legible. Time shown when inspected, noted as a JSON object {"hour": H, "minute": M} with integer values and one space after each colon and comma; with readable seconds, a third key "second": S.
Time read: {"hour": 6, "minute": 26}
